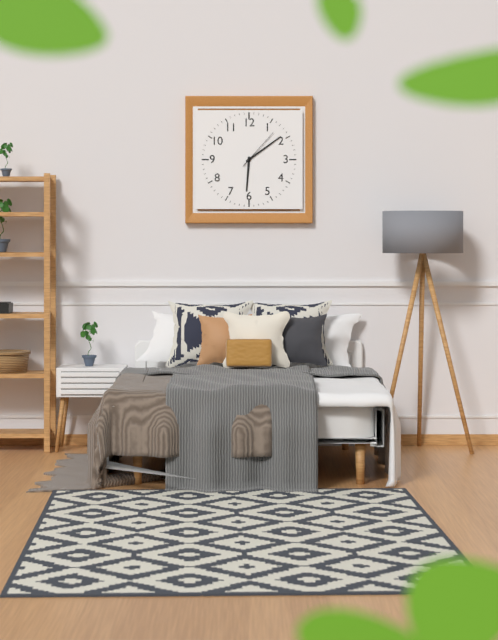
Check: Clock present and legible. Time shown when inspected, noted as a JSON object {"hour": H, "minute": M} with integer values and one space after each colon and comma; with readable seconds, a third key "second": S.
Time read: {"hour": 6, "minute": 9}
